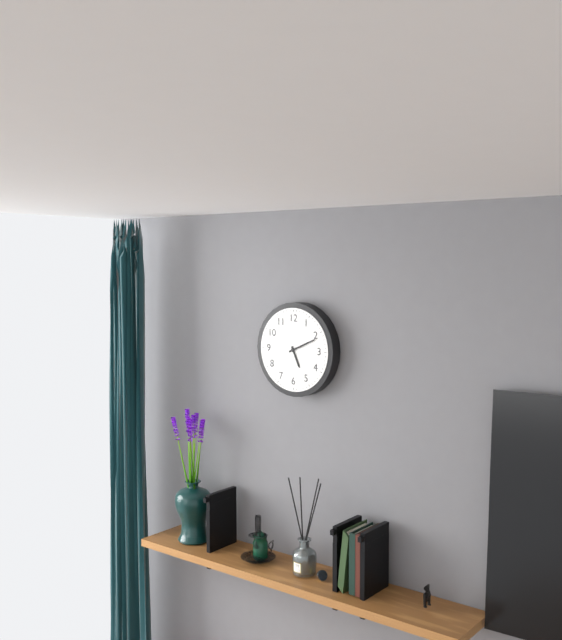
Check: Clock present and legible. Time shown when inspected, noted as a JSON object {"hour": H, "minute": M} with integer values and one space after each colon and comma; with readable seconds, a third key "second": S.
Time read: {"hour": 5, "minute": 11}
